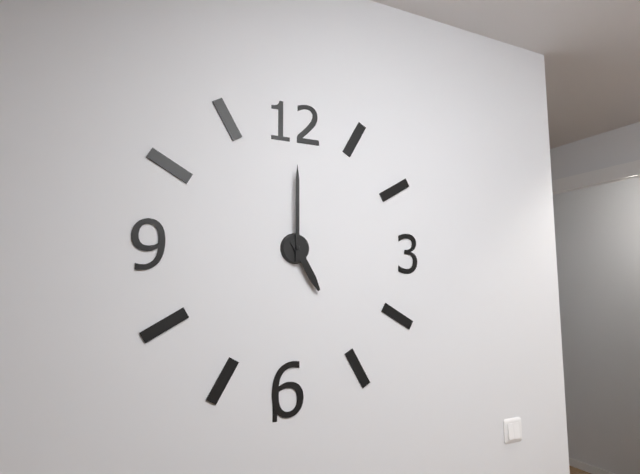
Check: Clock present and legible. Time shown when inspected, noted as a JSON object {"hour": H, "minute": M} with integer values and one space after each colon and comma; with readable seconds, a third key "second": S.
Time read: {"hour": 5, "minute": 0}
